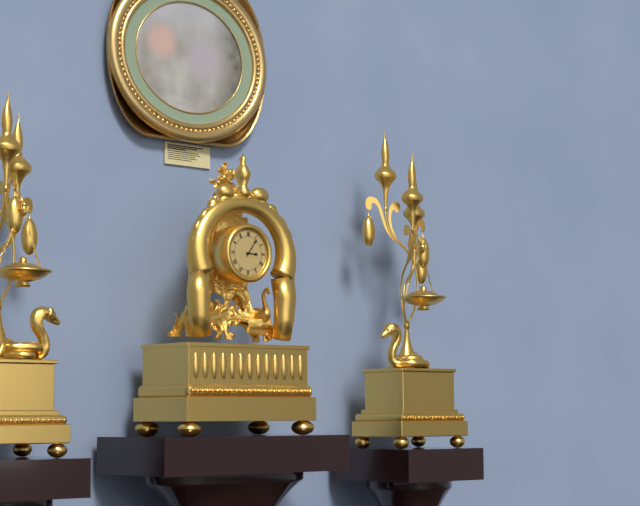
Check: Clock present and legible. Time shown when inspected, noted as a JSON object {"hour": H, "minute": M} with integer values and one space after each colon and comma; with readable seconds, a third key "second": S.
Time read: {"hour": 3, "minute": 6}
